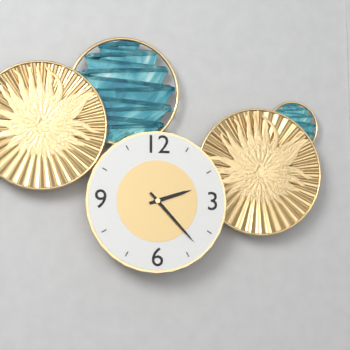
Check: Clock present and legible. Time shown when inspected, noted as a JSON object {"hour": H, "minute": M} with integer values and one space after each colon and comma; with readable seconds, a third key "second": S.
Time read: {"hour": 2, "minute": 23}
